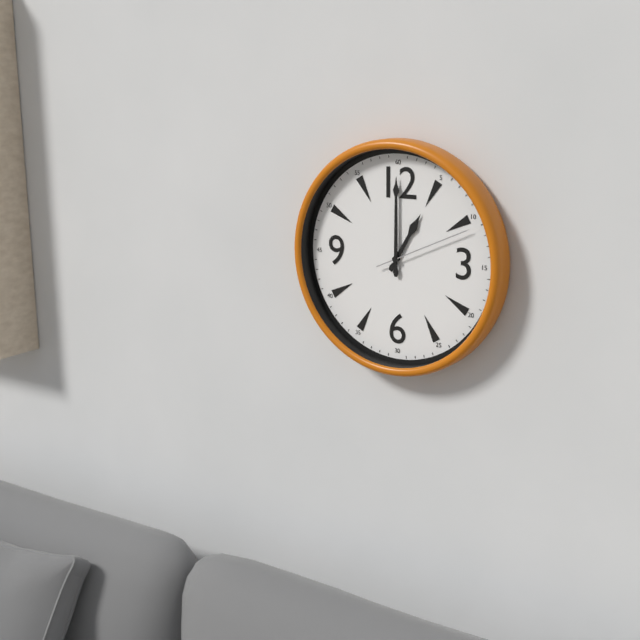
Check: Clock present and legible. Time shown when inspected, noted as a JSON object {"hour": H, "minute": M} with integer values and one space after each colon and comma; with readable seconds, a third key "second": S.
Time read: {"hour": 1, "minute": 0, "second": 11}
